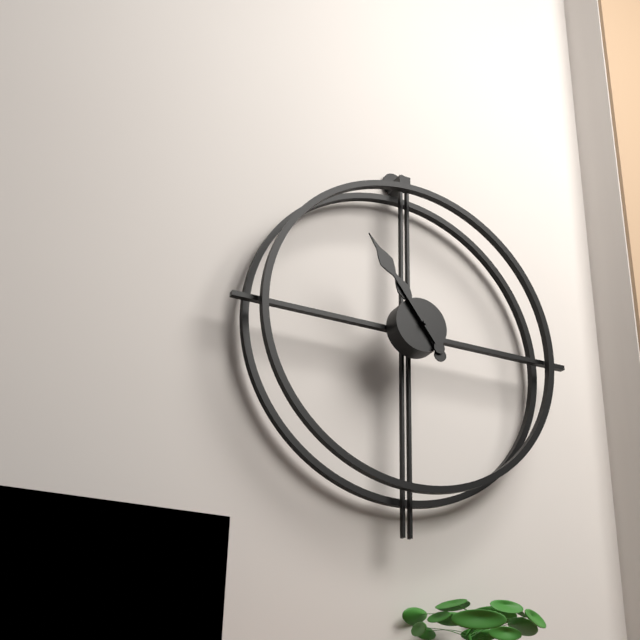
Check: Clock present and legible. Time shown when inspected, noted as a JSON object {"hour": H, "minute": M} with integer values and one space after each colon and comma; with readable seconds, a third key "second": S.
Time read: {"hour": 10, "minute": 54}
